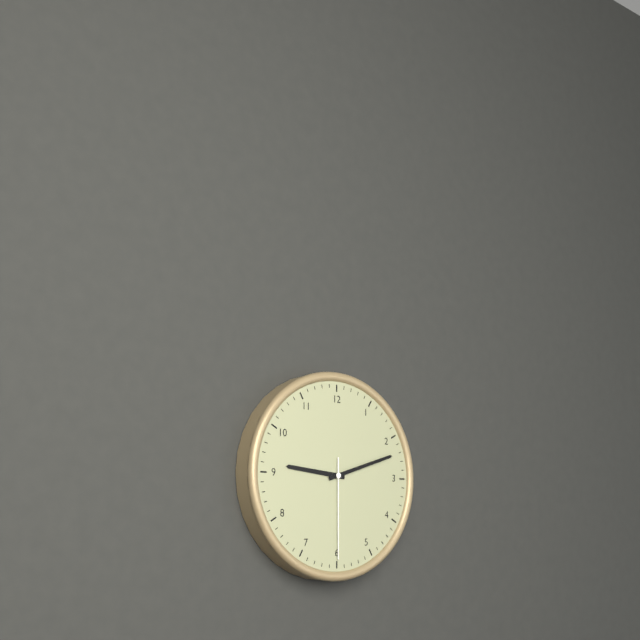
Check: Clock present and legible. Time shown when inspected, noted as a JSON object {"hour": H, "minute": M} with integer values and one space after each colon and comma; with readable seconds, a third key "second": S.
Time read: {"hour": 9, "minute": 12, "second": 30}
